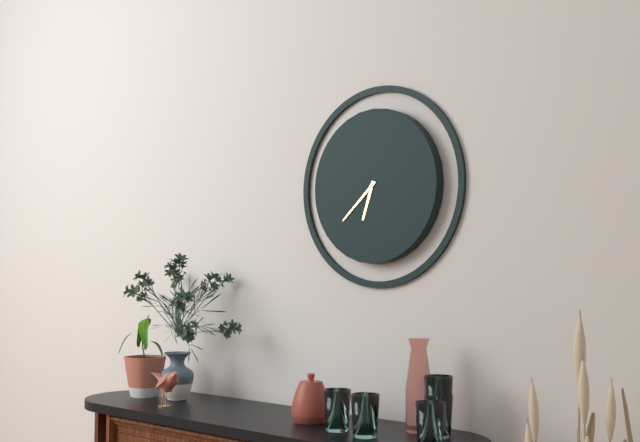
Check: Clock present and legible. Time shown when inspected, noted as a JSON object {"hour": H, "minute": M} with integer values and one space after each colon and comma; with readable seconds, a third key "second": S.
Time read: {"hour": 6, "minute": 38}
